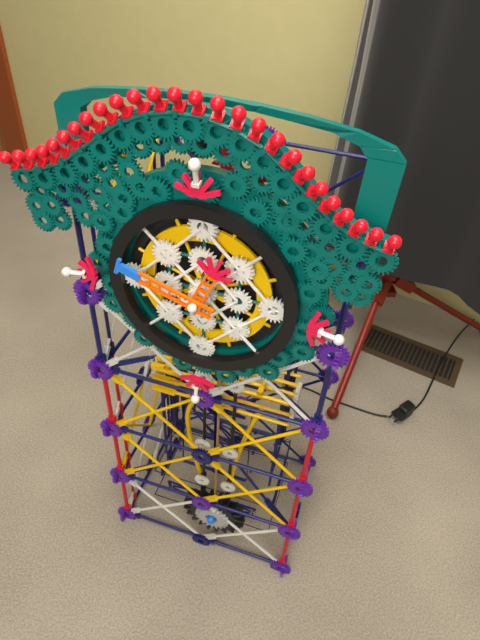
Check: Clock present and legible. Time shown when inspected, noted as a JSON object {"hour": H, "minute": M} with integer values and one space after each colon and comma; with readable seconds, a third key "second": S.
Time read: {"hour": 12, "minute": 48}
